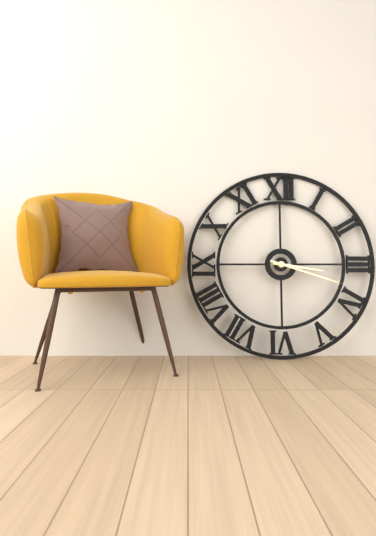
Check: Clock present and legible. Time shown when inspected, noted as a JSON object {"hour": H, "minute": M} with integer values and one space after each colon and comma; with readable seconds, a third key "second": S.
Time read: {"hour": 3, "minute": 18}
